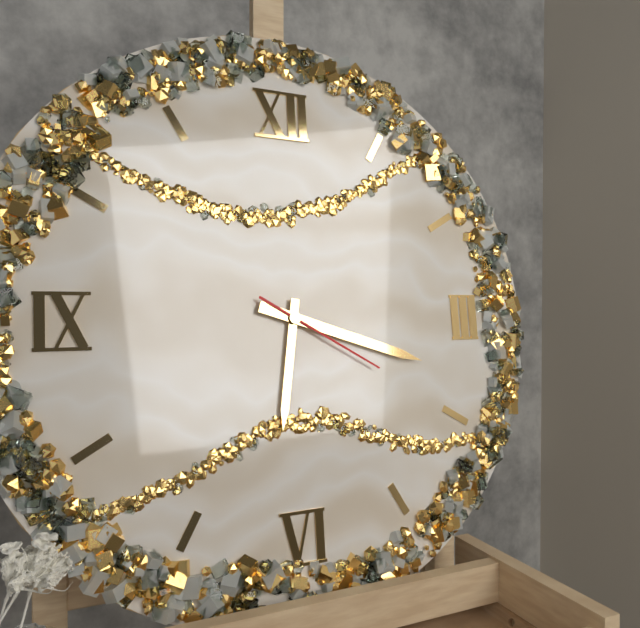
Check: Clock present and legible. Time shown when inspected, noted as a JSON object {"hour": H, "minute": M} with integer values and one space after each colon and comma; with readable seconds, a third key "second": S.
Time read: {"hour": 6, "minute": 18, "second": 20}
